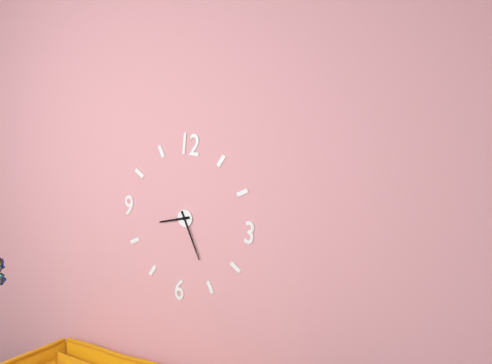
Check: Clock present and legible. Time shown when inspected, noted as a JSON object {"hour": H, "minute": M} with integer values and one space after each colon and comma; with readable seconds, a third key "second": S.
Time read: {"hour": 8, "minute": 25}
